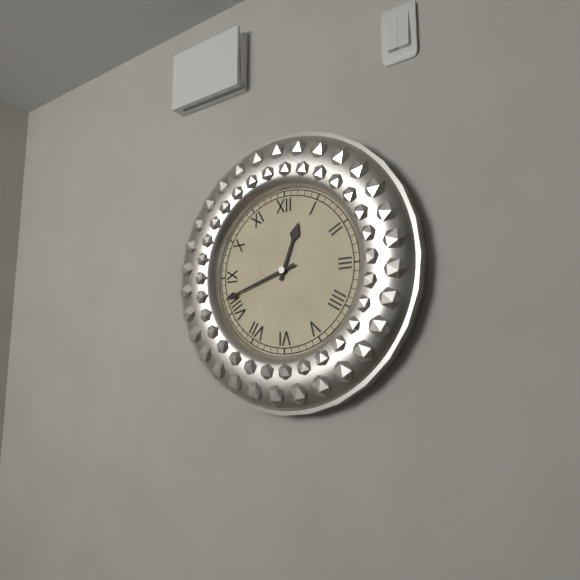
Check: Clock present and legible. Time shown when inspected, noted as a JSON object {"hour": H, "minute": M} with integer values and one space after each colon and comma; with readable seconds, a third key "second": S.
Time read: {"hour": 12, "minute": 42}
